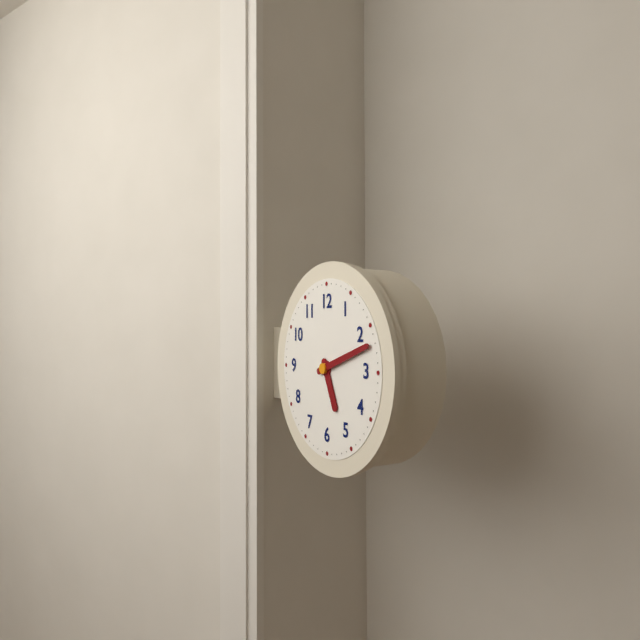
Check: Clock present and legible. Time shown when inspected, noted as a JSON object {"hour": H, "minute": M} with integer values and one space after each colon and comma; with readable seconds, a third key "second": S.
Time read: {"hour": 5, "minute": 12}
